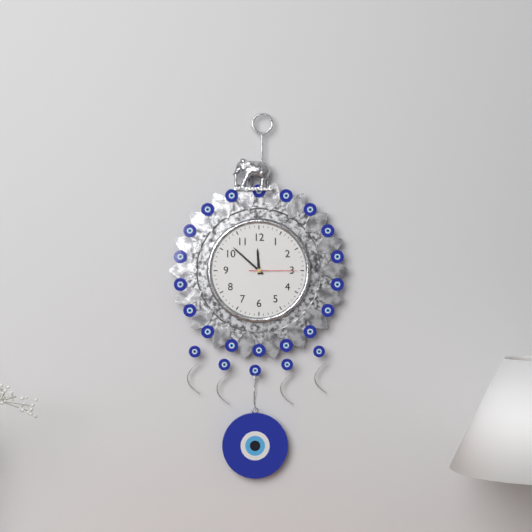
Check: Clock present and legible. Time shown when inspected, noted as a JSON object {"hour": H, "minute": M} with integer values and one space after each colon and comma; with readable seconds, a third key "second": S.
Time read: {"hour": 11, "minute": 52}
